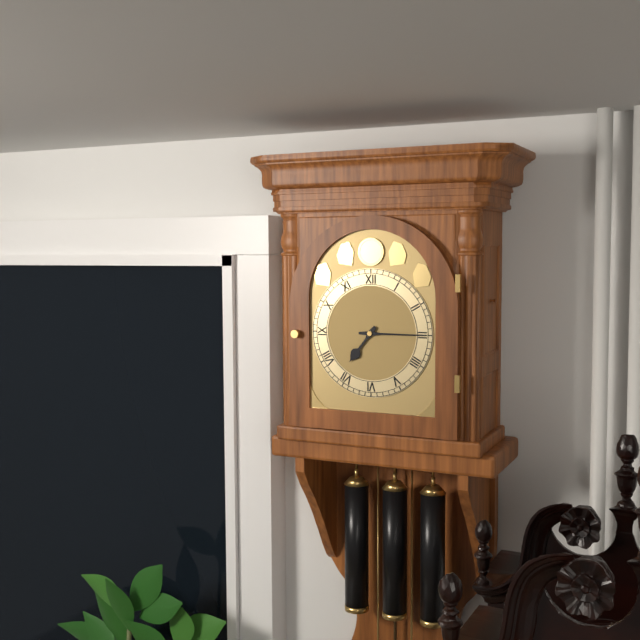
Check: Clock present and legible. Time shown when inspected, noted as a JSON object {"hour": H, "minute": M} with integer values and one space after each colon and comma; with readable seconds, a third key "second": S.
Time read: {"hour": 7, "minute": 15}
